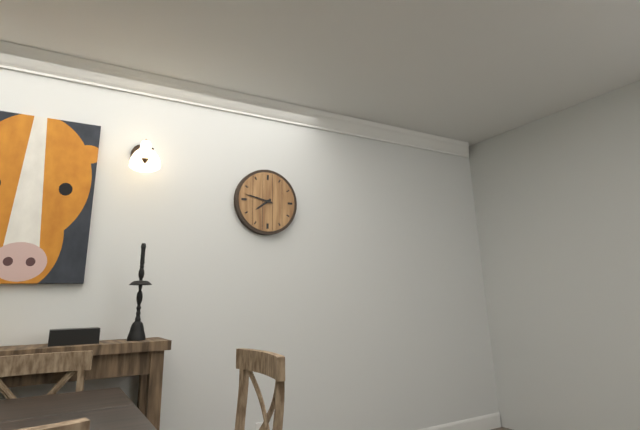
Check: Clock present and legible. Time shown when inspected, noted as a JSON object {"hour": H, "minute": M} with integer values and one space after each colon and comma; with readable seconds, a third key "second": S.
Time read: {"hour": 7, "minute": 47}
